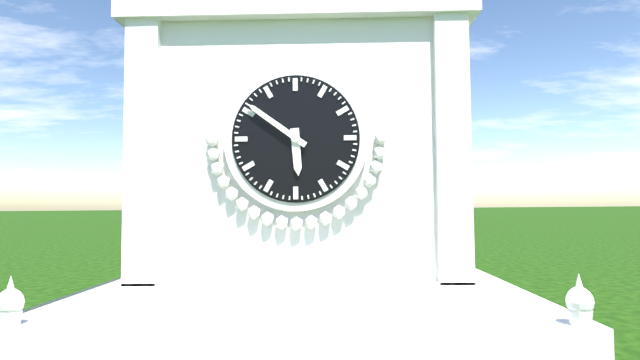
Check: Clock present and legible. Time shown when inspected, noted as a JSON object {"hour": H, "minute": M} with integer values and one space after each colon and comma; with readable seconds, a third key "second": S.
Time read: {"hour": 5, "minute": 51}
